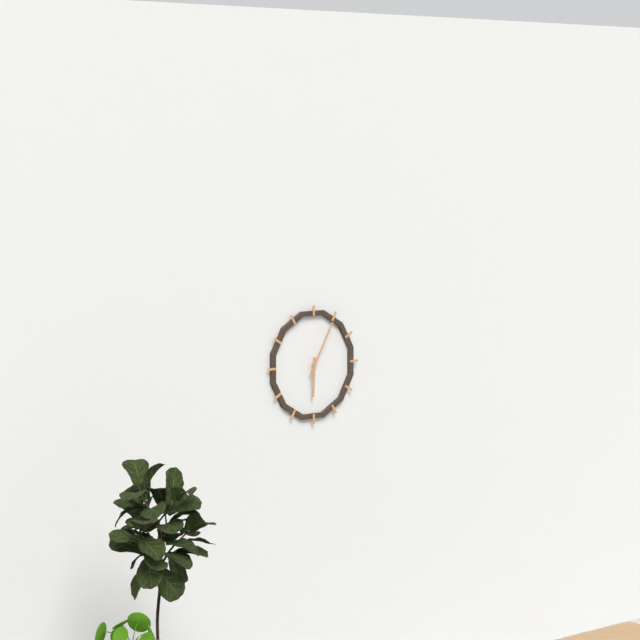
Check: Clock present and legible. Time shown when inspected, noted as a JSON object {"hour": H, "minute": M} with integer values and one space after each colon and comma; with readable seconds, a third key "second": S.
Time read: {"hour": 6, "minute": 5}
